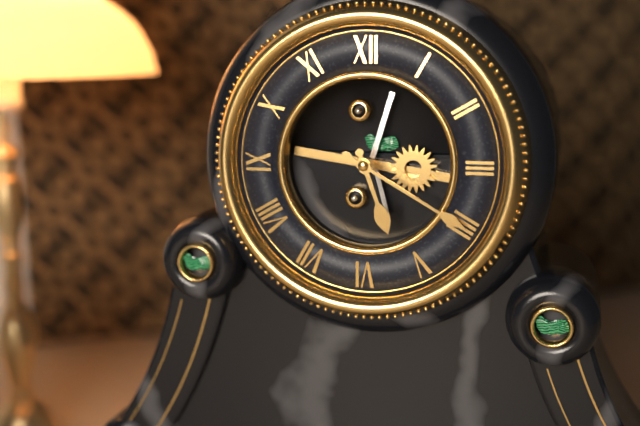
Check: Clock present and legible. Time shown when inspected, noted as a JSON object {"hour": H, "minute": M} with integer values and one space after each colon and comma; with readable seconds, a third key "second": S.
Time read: {"hour": 5, "minute": 20}
